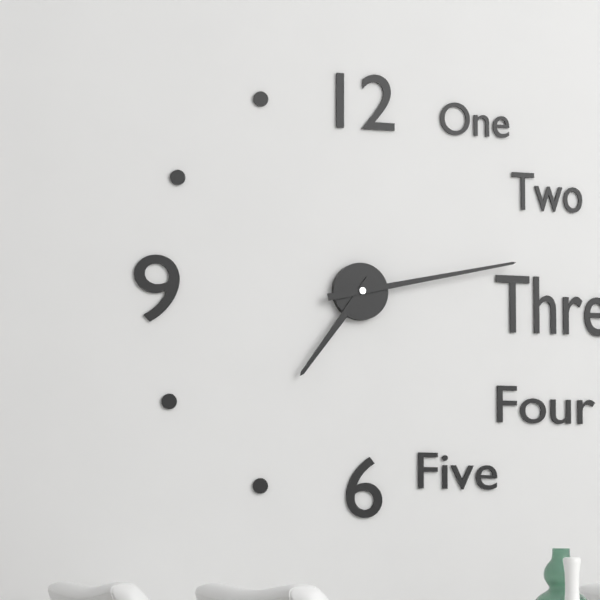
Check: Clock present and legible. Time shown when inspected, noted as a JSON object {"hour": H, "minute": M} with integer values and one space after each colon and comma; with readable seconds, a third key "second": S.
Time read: {"hour": 7, "minute": 13}
